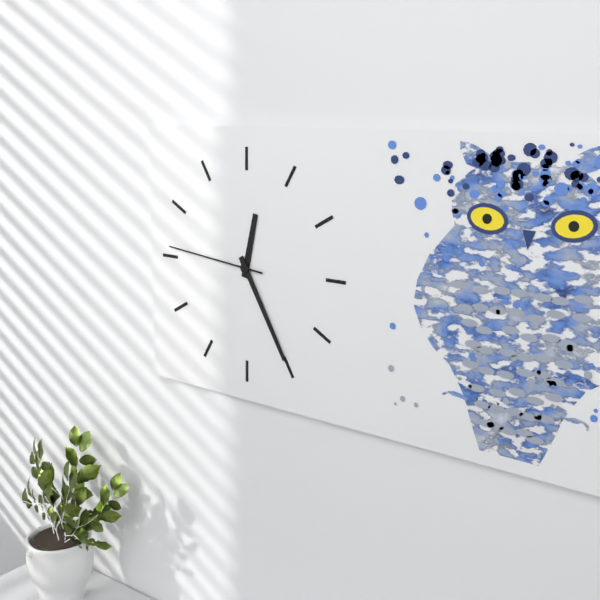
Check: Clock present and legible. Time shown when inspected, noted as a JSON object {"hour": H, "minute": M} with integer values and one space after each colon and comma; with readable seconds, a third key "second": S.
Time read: {"hour": 12, "minute": 25, "second": 46}
